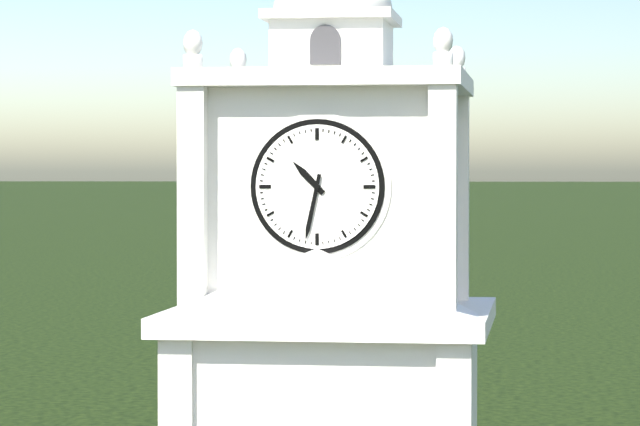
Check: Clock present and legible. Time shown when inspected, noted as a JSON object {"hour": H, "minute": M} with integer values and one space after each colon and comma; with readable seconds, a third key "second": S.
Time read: {"hour": 10, "minute": 32}
